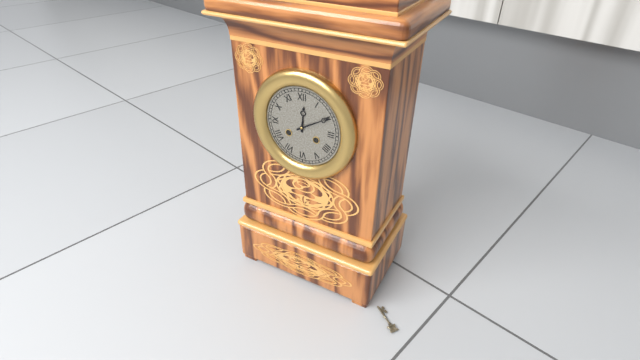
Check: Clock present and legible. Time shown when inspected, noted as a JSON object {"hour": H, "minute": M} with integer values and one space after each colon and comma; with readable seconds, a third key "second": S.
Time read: {"hour": 12, "minute": 10}
